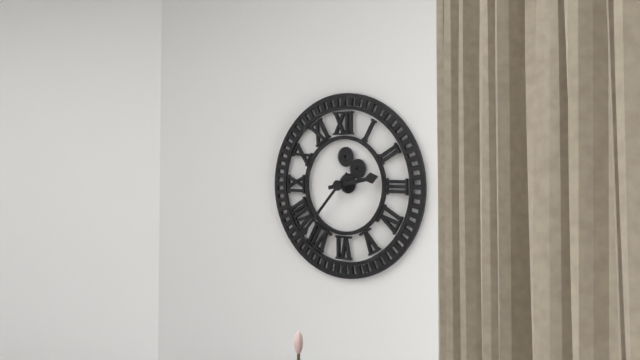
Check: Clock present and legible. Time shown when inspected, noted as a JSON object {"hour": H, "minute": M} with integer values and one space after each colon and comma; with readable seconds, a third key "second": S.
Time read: {"hour": 2, "minute": 37}
